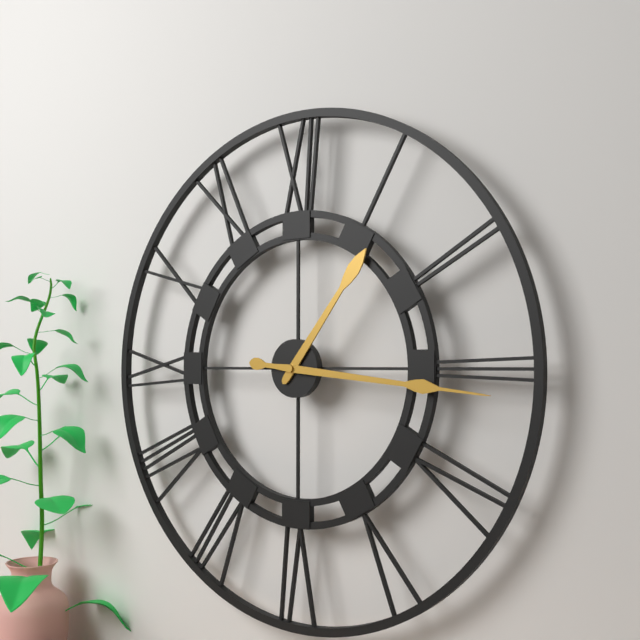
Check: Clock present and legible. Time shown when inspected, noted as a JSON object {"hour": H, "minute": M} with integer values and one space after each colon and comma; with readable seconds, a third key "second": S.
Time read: {"hour": 1, "minute": 16}
